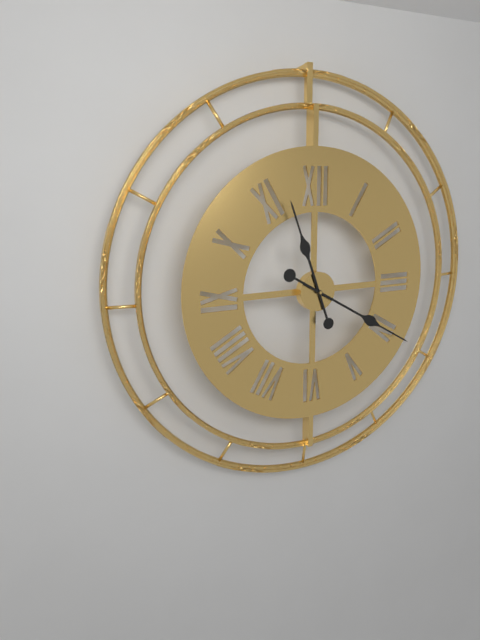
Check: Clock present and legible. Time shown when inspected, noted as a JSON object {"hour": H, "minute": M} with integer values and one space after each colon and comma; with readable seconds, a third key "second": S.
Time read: {"hour": 11, "minute": 20}
